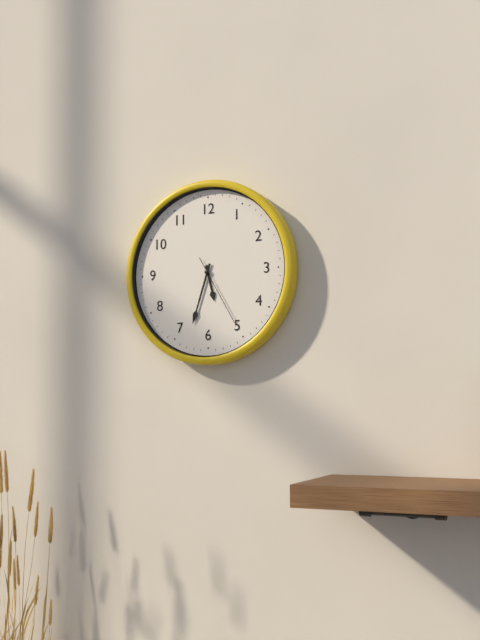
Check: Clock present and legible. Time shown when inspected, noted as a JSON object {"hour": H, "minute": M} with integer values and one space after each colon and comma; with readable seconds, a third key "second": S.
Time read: {"hour": 5, "minute": 33, "second": 25}
